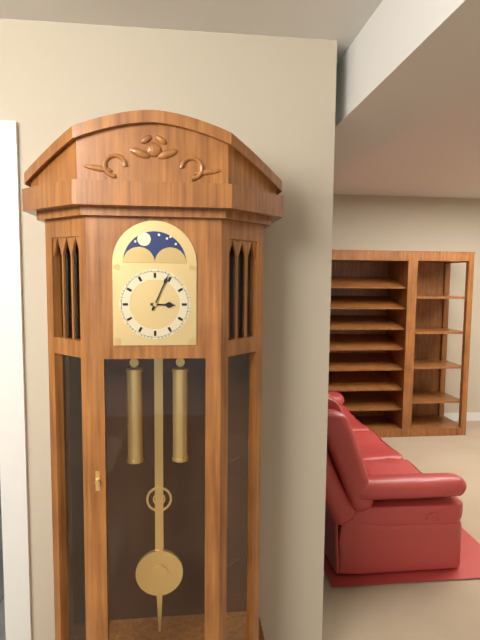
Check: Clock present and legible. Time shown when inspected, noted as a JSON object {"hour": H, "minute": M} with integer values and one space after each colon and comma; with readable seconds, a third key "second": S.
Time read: {"hour": 3, "minute": 4}
